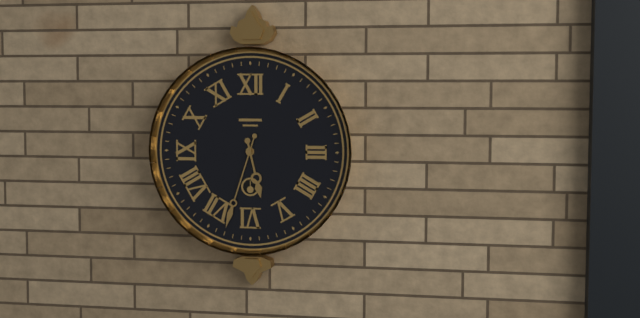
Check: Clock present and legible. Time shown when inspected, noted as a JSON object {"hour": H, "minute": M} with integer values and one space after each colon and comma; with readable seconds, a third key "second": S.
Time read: {"hour": 5, "minute": 33}
